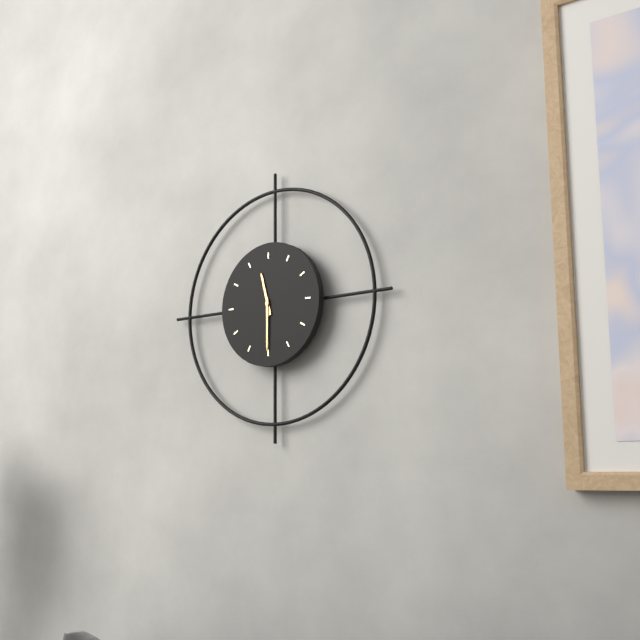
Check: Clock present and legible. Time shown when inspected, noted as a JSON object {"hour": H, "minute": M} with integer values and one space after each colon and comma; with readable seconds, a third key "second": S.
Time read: {"hour": 11, "minute": 30}
